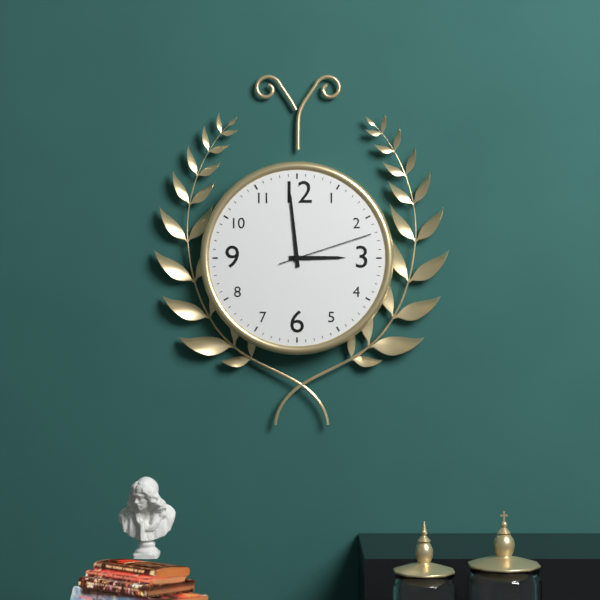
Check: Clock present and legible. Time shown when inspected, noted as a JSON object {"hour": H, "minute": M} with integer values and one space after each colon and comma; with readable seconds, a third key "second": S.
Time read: {"hour": 2, "minute": 59, "second": 12}
